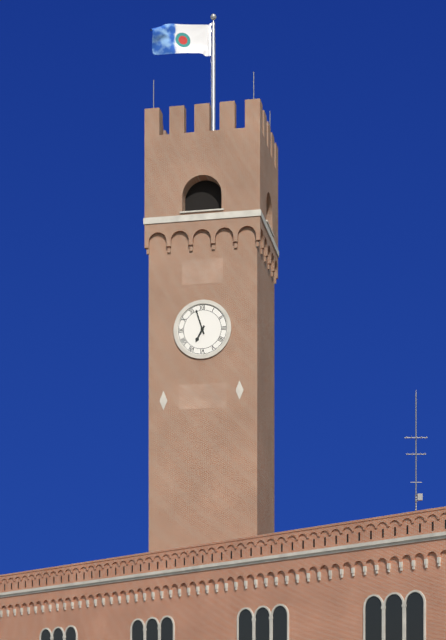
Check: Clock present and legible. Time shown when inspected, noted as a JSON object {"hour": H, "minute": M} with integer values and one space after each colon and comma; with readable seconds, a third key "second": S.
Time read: {"hour": 6, "minute": 57}
